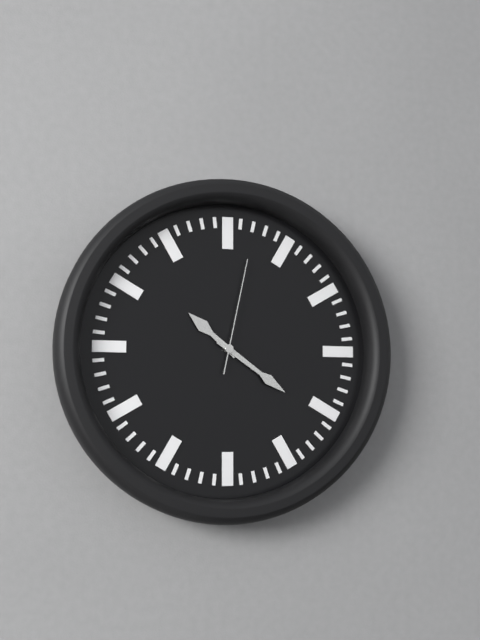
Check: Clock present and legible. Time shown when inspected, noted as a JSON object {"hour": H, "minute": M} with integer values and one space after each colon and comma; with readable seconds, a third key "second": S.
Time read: {"hour": 10, "minute": 21, "second": 2}
